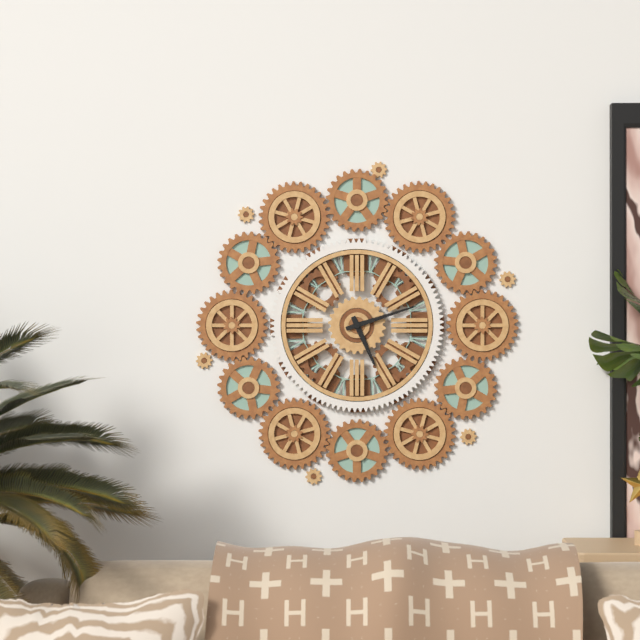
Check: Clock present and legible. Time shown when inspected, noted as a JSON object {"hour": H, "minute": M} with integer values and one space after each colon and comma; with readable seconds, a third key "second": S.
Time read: {"hour": 5, "minute": 12}
